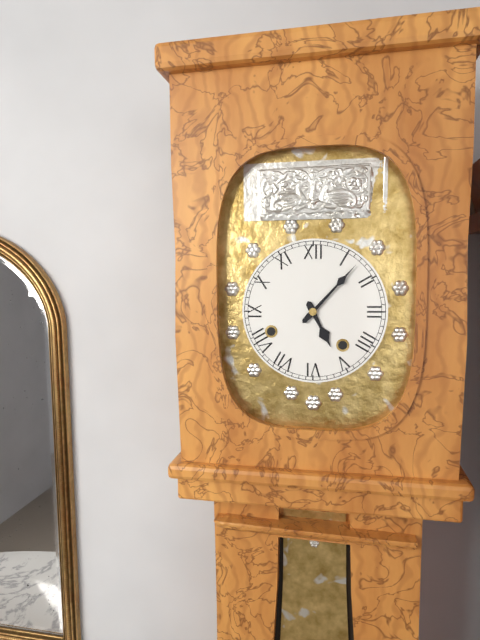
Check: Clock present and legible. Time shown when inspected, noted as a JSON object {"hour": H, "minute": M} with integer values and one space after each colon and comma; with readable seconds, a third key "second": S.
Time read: {"hour": 5, "minute": 7}
